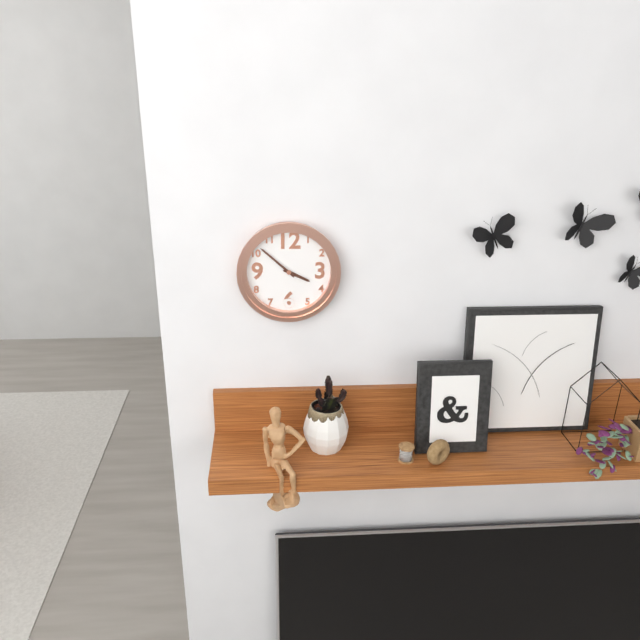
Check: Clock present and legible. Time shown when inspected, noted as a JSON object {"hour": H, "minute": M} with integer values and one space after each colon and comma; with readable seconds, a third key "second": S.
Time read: {"hour": 3, "minute": 52}
